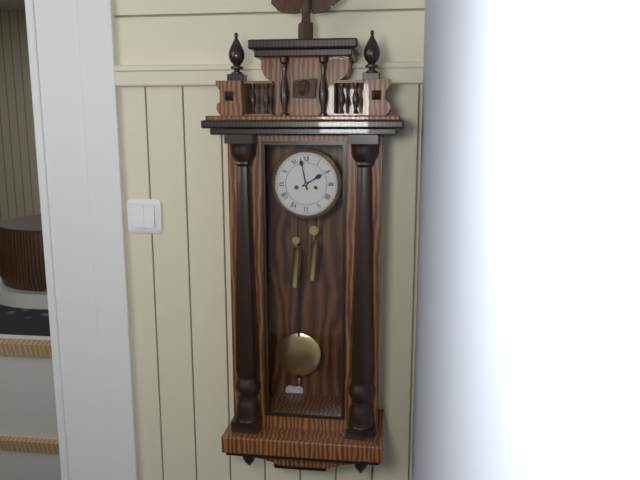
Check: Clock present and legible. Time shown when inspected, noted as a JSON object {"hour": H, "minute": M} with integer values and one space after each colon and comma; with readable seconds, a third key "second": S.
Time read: {"hour": 1, "minute": 58}
